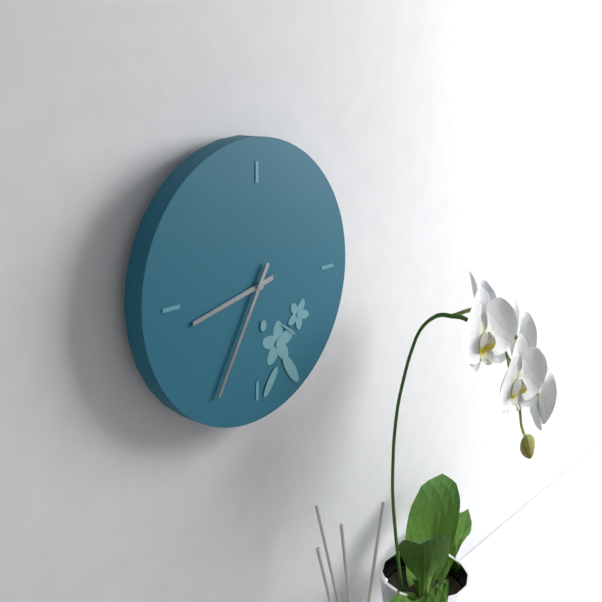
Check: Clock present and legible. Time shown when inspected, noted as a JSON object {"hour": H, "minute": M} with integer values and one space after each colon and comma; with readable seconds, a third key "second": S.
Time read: {"hour": 8, "minute": 35}
